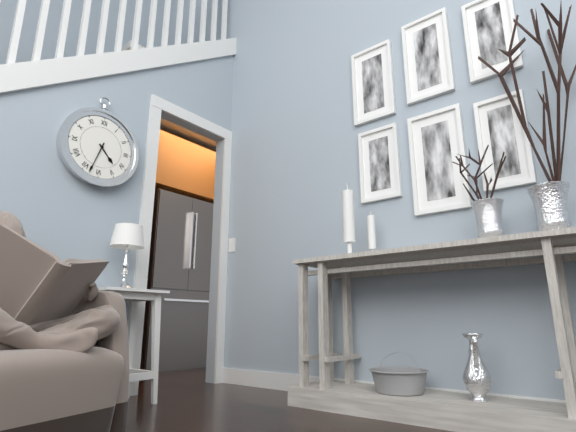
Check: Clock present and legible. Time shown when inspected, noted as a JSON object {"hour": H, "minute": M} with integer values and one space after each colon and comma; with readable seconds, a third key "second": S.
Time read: {"hour": 4, "minute": 33}
